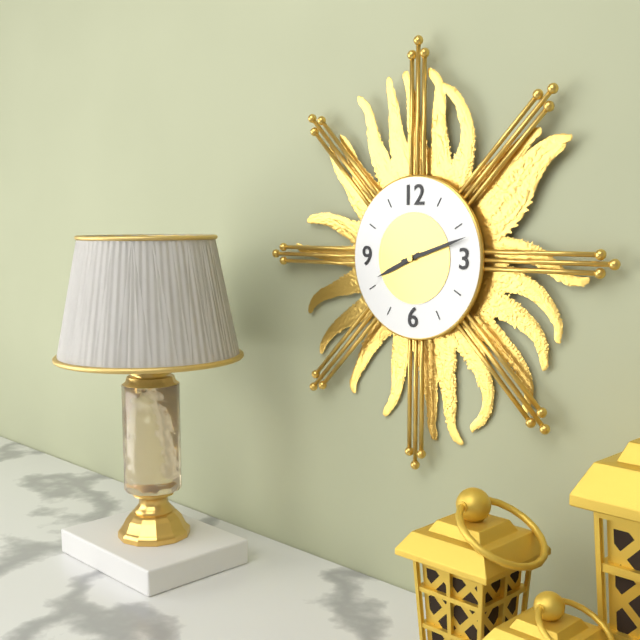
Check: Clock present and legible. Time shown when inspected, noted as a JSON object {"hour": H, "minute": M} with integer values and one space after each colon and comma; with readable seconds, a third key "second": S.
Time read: {"hour": 8, "minute": 12}
